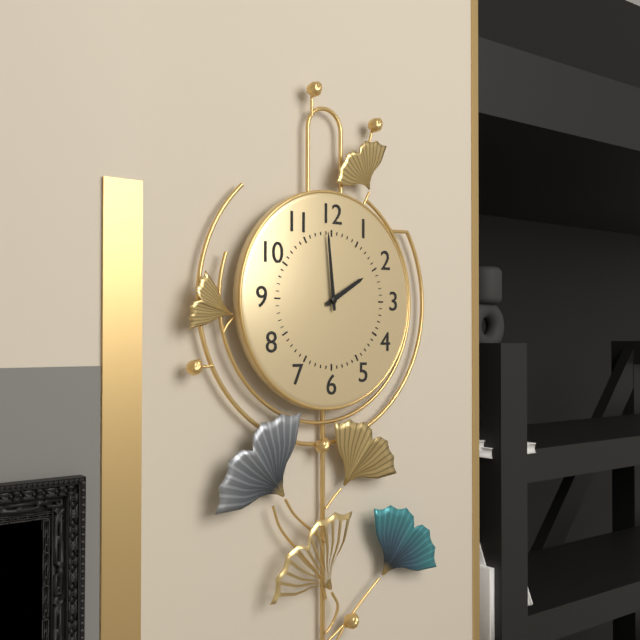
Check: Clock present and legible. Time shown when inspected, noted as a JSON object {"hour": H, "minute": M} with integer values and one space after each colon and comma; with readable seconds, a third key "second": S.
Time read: {"hour": 1, "minute": 59}
